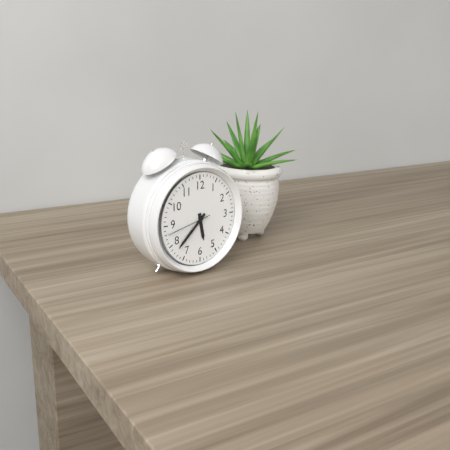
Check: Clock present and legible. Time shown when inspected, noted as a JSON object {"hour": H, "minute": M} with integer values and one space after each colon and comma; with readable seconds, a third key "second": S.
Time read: {"hour": 5, "minute": 38}
